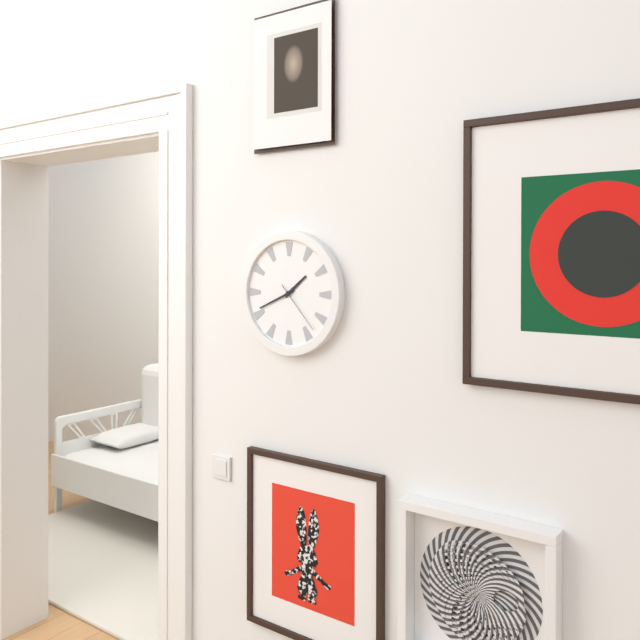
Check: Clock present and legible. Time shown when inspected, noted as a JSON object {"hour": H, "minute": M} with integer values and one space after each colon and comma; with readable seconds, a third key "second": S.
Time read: {"hour": 1, "minute": 41, "second": 23}
